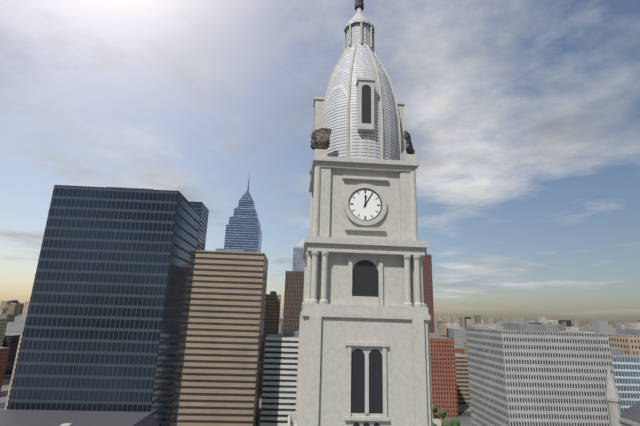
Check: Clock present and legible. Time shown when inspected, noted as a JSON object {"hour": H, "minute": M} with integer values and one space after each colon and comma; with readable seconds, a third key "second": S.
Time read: {"hour": 12, "minute": 5}
